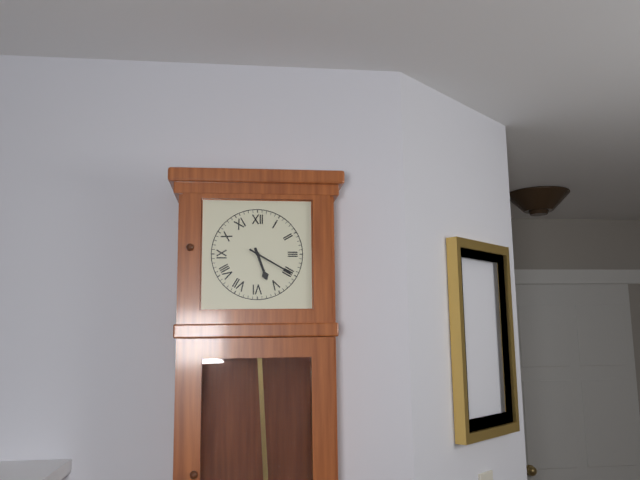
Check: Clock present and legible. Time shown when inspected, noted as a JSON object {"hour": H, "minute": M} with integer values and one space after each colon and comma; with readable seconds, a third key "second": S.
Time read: {"hour": 5, "minute": 20}
